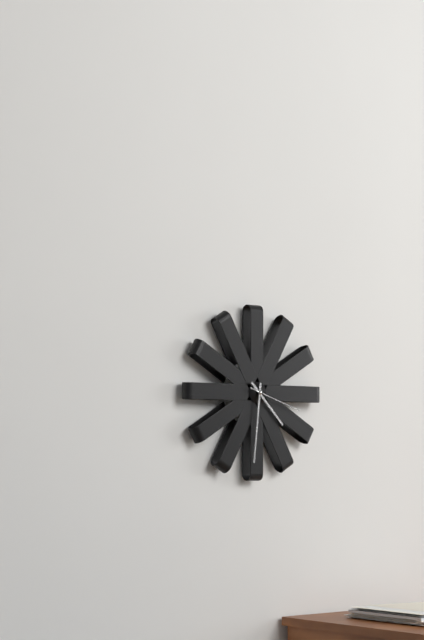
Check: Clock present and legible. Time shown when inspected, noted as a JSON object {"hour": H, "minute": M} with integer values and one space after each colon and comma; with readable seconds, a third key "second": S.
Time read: {"hour": 4, "minute": 31, "second": 18}
